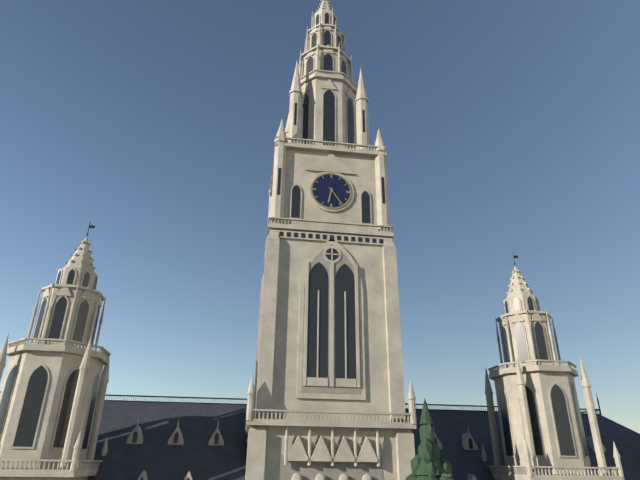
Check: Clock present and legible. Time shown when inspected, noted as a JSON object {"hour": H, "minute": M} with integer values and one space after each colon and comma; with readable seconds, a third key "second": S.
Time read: {"hour": 6, "minute": 24}
